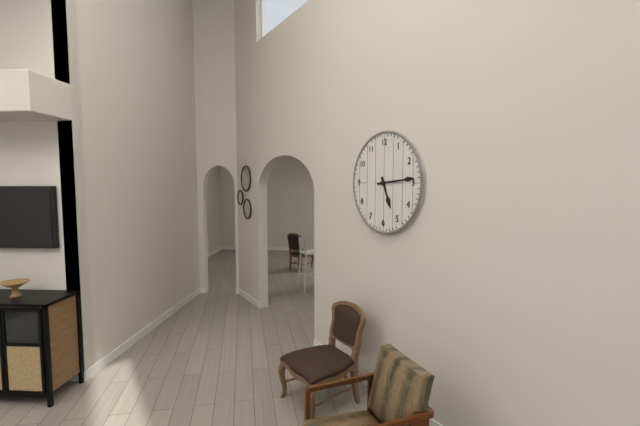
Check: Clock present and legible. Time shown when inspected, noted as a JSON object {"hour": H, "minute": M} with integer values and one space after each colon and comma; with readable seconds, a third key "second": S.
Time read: {"hour": 5, "minute": 14}
